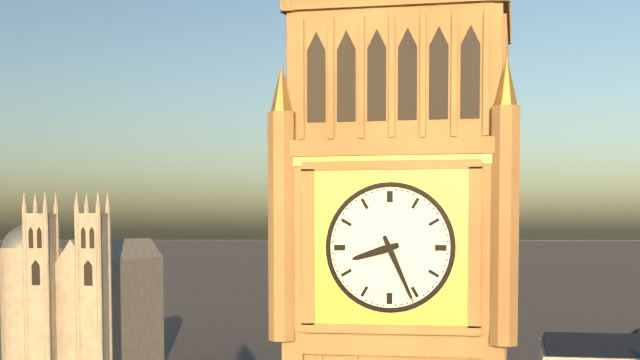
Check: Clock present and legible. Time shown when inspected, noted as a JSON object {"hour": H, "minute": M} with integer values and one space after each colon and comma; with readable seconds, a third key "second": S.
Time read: {"hour": 8, "minute": 26}
